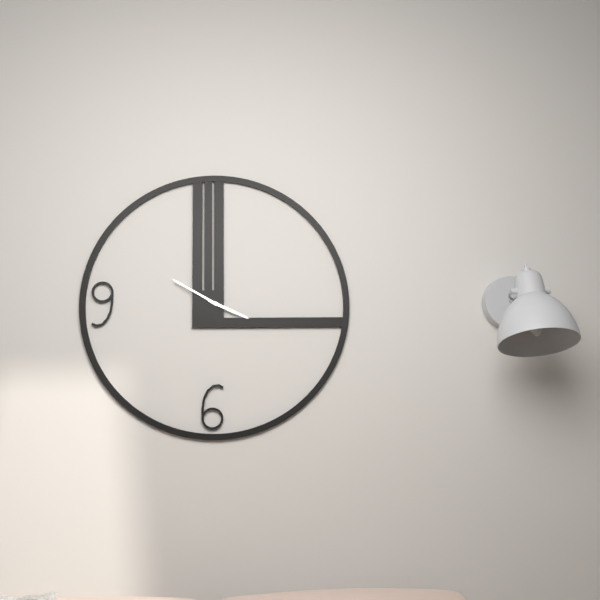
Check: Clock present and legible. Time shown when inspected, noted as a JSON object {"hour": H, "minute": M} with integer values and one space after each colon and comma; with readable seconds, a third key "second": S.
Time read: {"hour": 3, "minute": 50}
